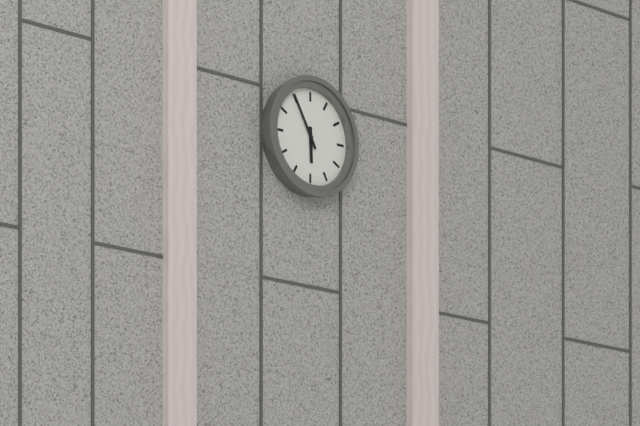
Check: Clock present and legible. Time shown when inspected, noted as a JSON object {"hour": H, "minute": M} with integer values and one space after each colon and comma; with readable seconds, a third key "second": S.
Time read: {"hour": 5, "minute": 55}
